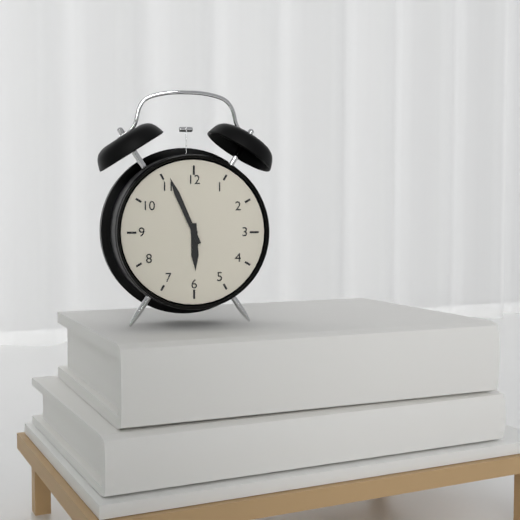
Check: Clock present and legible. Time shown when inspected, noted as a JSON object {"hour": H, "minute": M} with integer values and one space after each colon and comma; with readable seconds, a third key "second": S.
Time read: {"hour": 5, "minute": 56}
